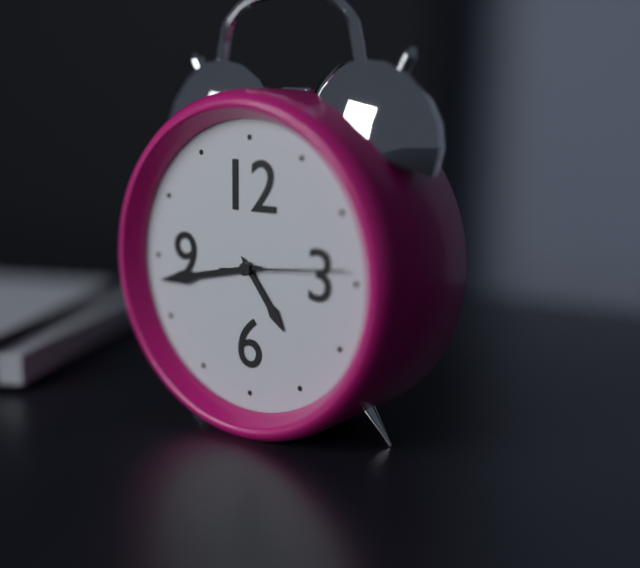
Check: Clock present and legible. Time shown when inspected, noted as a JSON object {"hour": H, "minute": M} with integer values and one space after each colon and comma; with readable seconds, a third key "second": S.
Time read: {"hour": 4, "minute": 43, "second": 14}
